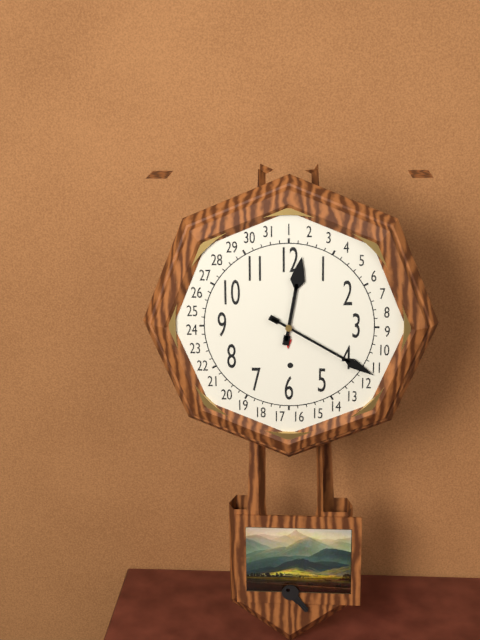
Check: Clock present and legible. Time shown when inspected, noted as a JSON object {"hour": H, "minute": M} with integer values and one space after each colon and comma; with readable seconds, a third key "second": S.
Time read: {"hour": 12, "minute": 20}
